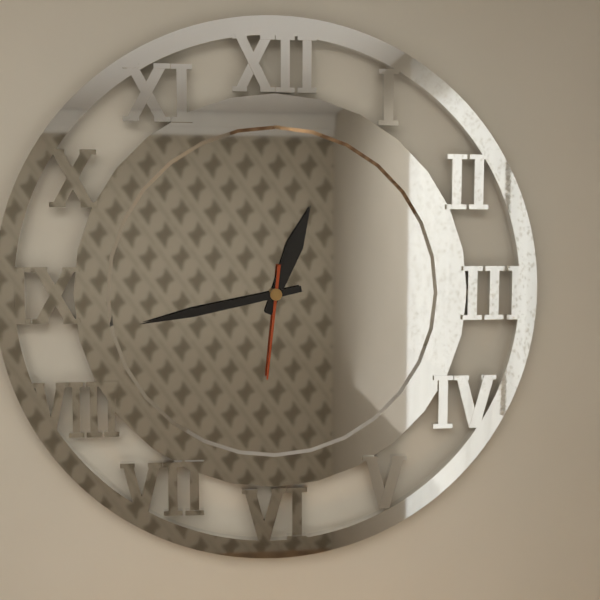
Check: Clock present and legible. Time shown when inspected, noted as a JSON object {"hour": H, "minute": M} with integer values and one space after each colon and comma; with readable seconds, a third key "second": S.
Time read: {"hour": 12, "minute": 43, "second": 31}
